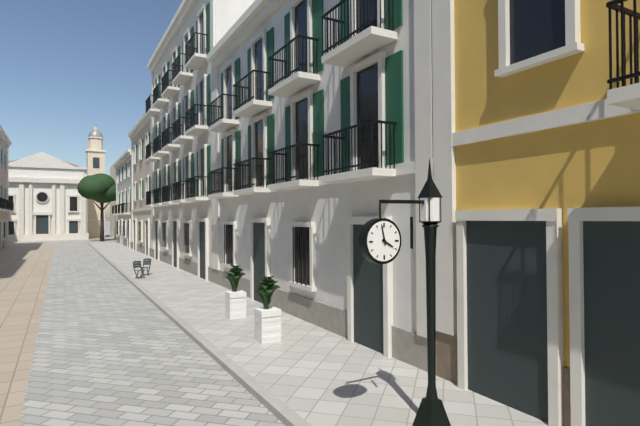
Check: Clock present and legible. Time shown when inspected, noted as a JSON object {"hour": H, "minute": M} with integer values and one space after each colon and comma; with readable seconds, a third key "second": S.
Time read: {"hour": 3, "minute": 58}
